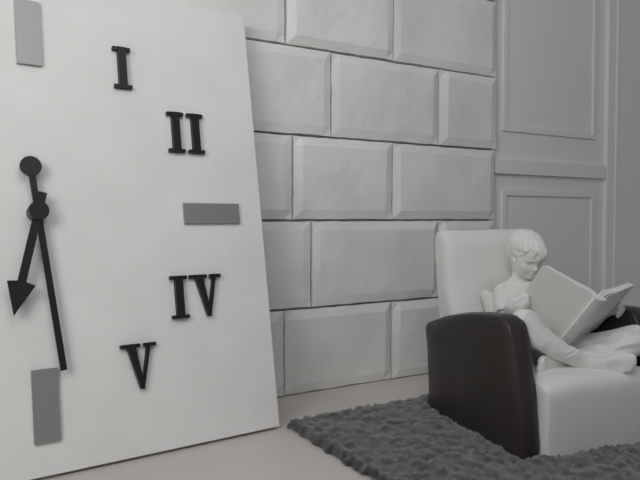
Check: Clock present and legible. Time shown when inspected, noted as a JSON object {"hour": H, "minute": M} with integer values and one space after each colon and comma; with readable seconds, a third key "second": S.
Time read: {"hour": 6, "minute": 29}
